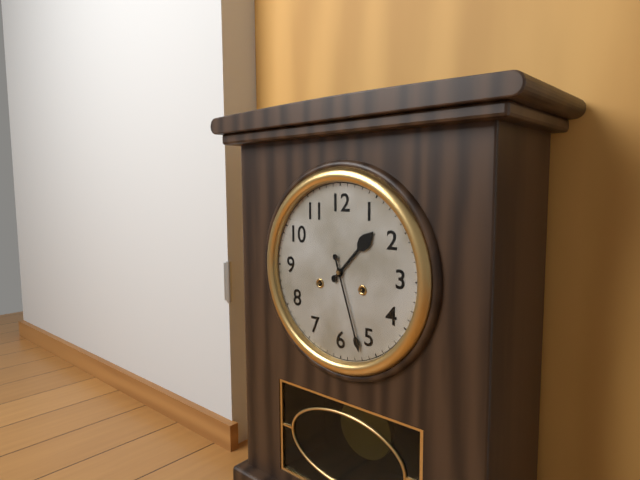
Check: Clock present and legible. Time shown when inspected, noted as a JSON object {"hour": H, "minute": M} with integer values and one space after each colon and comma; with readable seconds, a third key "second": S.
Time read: {"hour": 1, "minute": 27}
